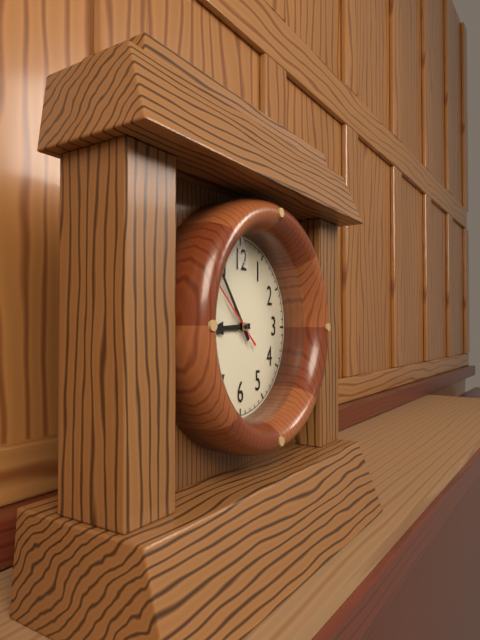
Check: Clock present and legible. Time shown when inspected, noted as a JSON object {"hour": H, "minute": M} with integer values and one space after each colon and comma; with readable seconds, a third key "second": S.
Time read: {"hour": 8, "minute": 54}
